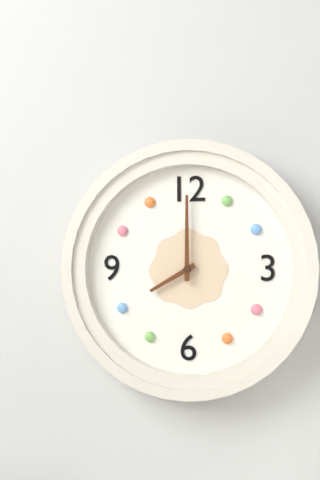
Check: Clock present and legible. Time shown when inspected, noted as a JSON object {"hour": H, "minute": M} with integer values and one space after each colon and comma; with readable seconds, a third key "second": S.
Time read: {"hour": 8, "minute": 0}
